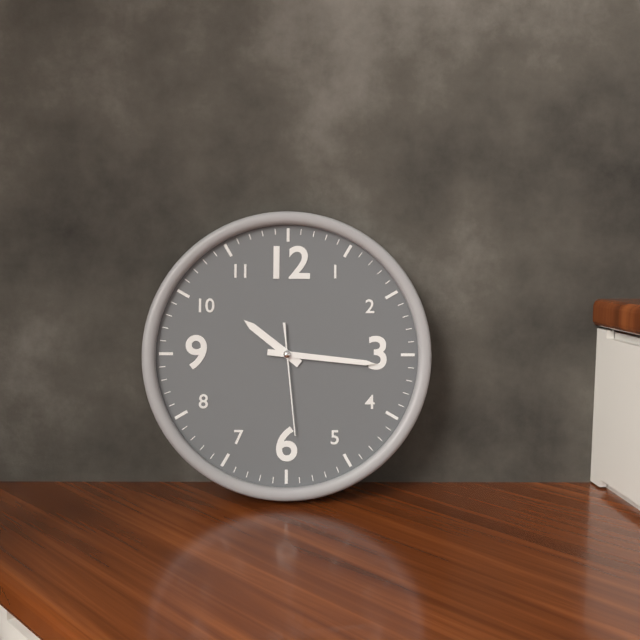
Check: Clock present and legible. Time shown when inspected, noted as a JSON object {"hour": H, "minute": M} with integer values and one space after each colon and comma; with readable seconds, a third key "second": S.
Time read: {"hour": 10, "minute": 16, "second": 29}
